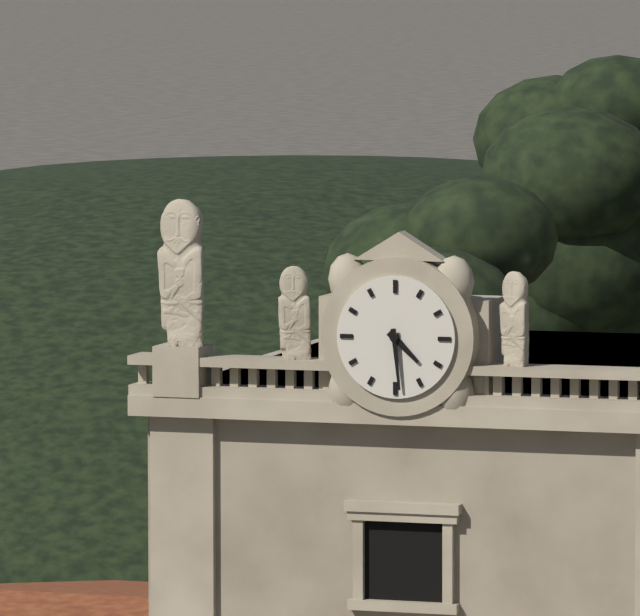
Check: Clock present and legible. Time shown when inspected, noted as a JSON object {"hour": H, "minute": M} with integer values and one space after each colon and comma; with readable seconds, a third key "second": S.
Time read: {"hour": 4, "minute": 29}
